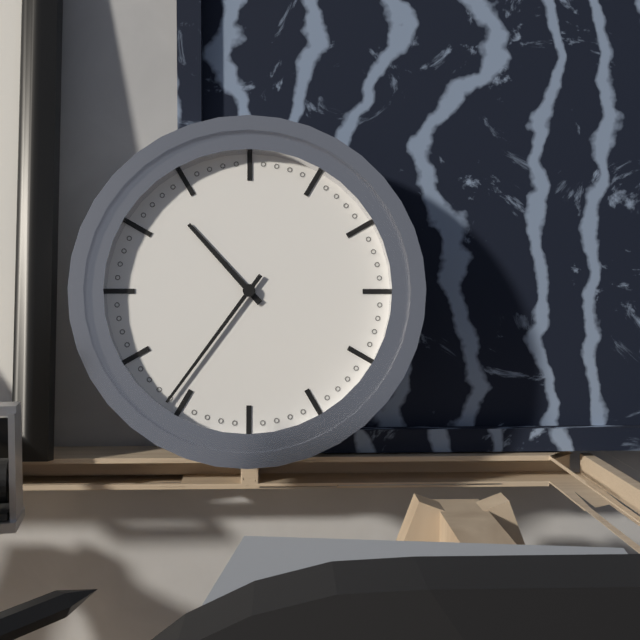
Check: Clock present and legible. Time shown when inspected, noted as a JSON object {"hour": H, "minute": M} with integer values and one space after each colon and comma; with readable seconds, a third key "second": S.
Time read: {"hour": 10, "minute": 36}
